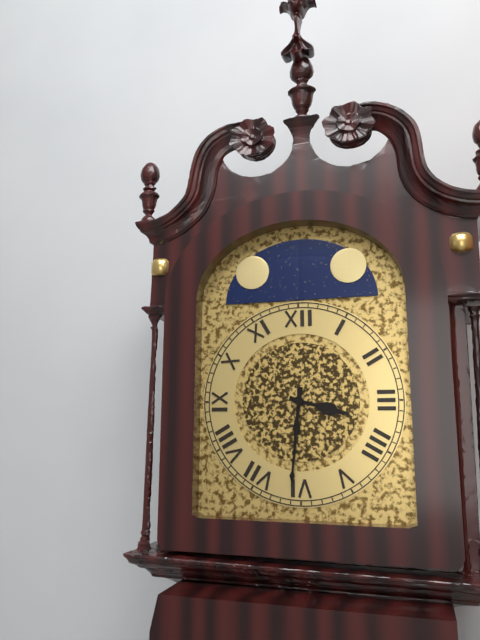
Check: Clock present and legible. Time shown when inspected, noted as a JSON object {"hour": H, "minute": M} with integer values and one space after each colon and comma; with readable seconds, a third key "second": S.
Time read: {"hour": 3, "minute": 31}
